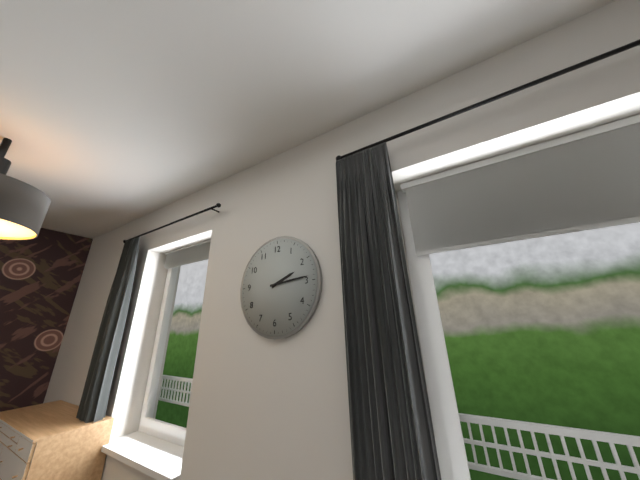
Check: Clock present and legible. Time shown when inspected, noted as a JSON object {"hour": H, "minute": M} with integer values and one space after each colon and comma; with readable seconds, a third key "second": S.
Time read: {"hour": 2, "minute": 14}
